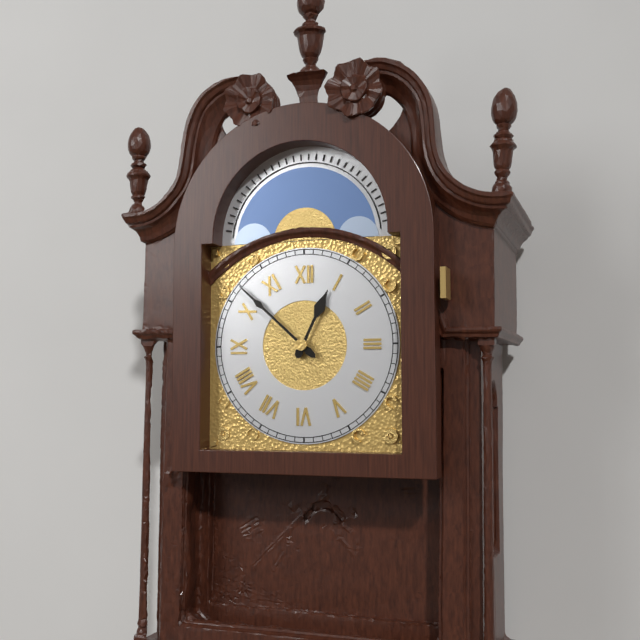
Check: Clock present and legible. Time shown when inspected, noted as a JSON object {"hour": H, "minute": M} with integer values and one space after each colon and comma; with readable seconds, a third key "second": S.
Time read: {"hour": 12, "minute": 52}
